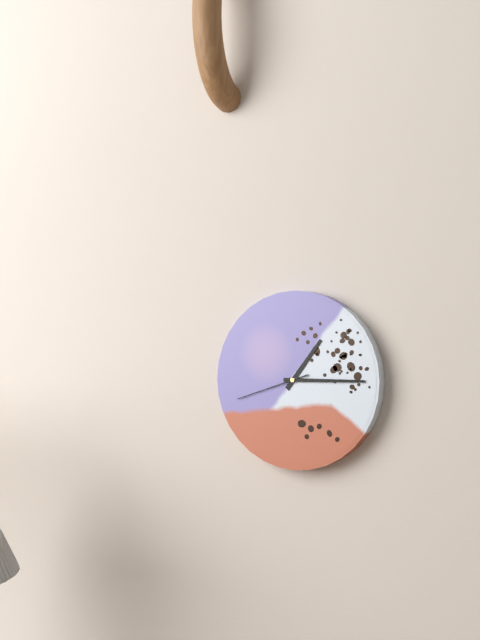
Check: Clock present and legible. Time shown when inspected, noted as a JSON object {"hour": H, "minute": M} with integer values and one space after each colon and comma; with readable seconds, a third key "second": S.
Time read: {"hour": 1, "minute": 15, "second": 42}
